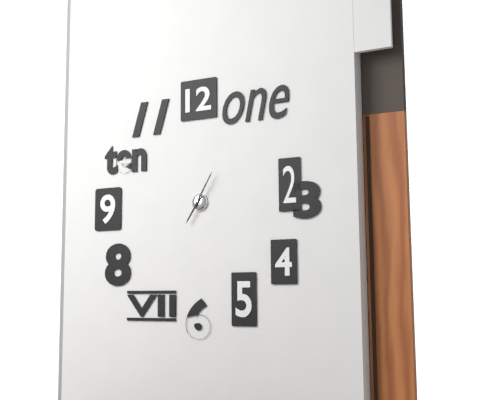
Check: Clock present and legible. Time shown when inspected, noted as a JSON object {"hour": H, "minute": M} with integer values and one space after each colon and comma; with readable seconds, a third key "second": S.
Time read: {"hour": 7, "minute": 5}
